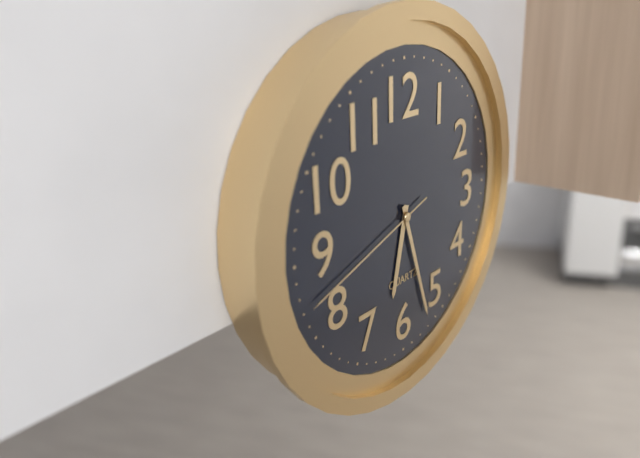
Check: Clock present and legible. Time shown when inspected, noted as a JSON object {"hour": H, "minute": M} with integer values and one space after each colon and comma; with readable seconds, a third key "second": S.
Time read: {"hour": 6, "minute": 27, "second": 42}
